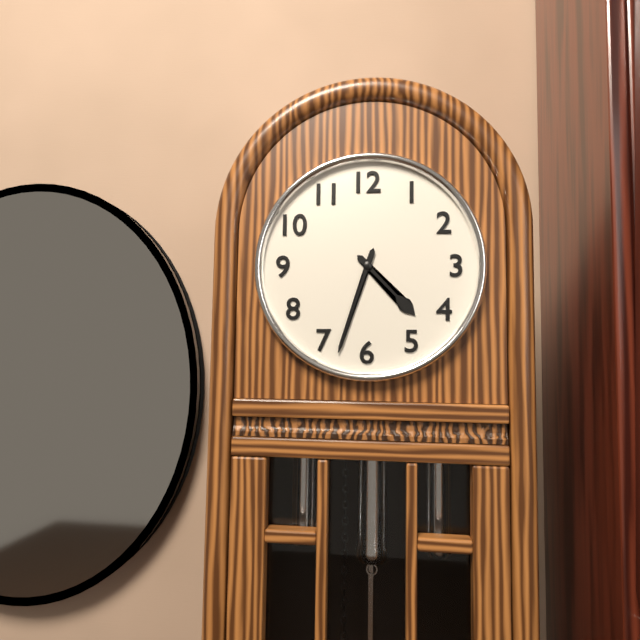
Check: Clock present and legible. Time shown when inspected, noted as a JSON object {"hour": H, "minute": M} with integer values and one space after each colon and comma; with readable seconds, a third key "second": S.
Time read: {"hour": 4, "minute": 33}
